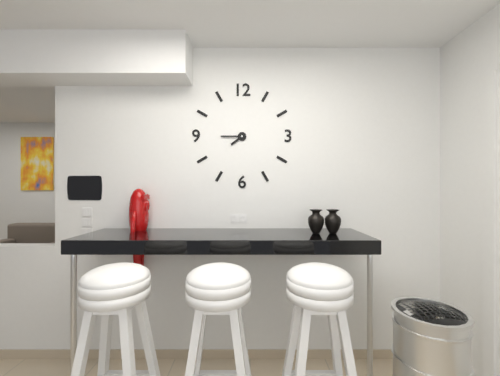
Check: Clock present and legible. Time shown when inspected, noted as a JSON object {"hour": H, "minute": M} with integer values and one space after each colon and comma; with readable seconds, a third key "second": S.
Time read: {"hour": 7, "minute": 45}
